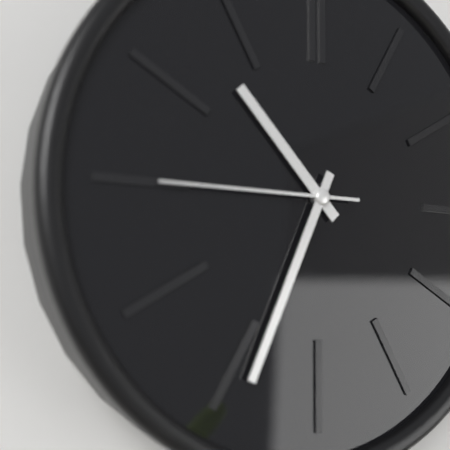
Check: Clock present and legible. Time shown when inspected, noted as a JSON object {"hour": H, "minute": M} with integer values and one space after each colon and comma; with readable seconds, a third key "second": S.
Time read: {"hour": 10, "minute": 34, "second": 45}
